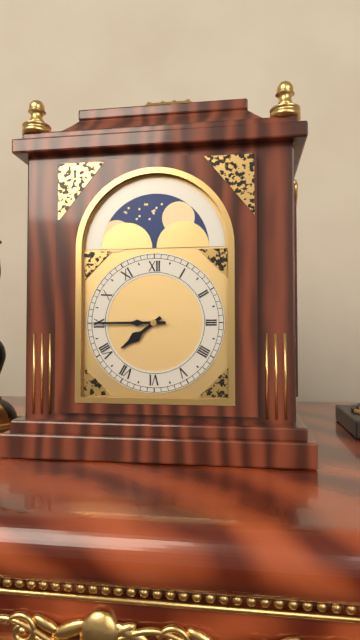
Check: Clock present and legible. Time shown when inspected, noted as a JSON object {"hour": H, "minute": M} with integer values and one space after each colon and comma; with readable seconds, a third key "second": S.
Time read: {"hour": 7, "minute": 45}
